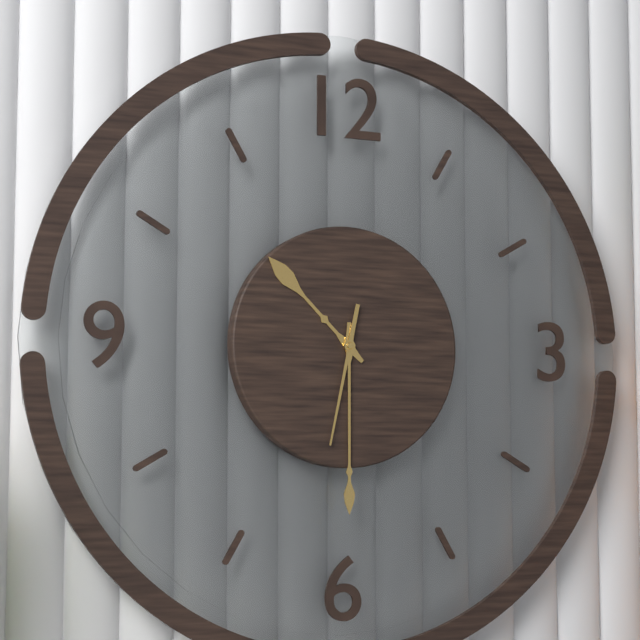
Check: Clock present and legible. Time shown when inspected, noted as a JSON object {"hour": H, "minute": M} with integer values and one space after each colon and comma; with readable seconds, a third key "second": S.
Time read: {"hour": 10, "minute": 30, "second": 32}
